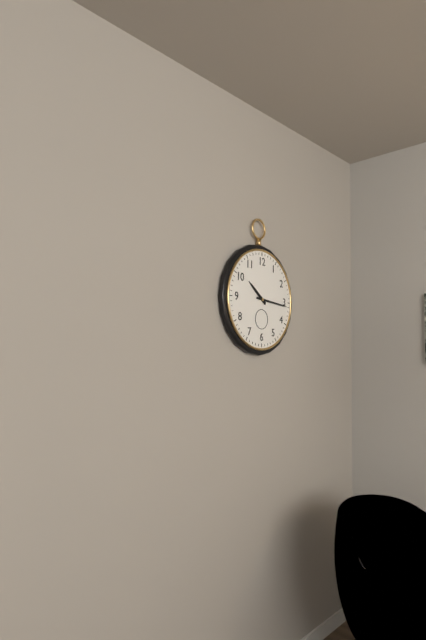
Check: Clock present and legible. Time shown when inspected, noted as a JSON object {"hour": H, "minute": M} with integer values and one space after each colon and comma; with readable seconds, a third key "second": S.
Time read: {"hour": 10, "minute": 16}
